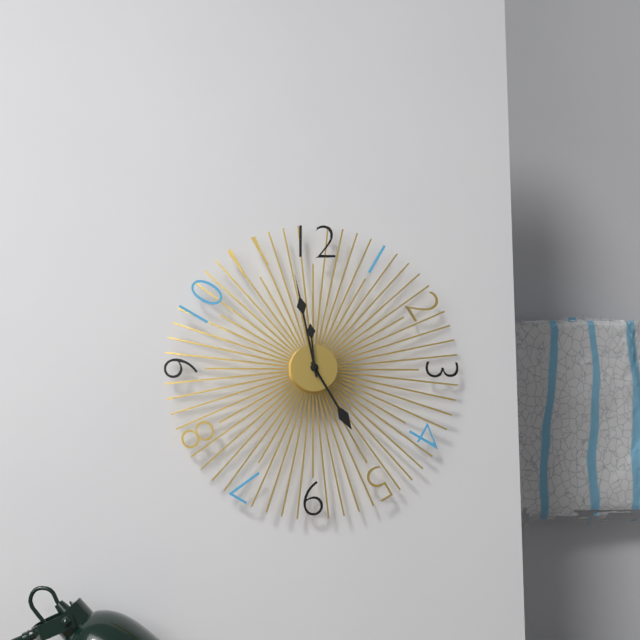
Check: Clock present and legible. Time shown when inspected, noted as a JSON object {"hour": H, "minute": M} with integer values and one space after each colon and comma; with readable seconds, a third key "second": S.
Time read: {"hour": 4, "minute": 58, "second": 59}
